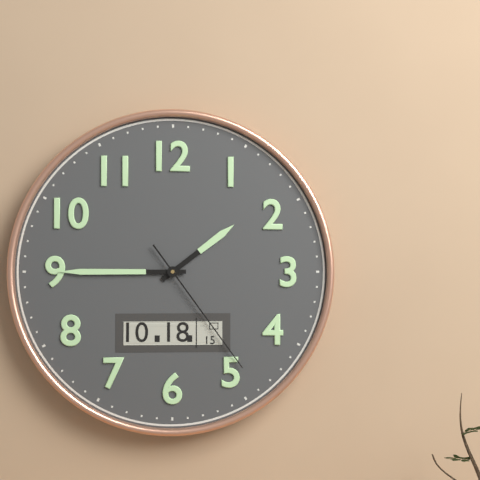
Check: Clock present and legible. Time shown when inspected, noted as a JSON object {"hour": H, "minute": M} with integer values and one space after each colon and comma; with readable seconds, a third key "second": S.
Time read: {"hour": 1, "minute": 45, "second": 24}
